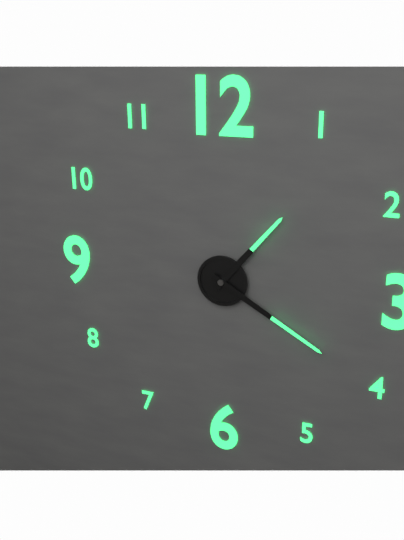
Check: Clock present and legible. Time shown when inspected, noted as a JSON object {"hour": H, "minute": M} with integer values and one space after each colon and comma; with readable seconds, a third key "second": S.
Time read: {"hour": 1, "minute": 20}
